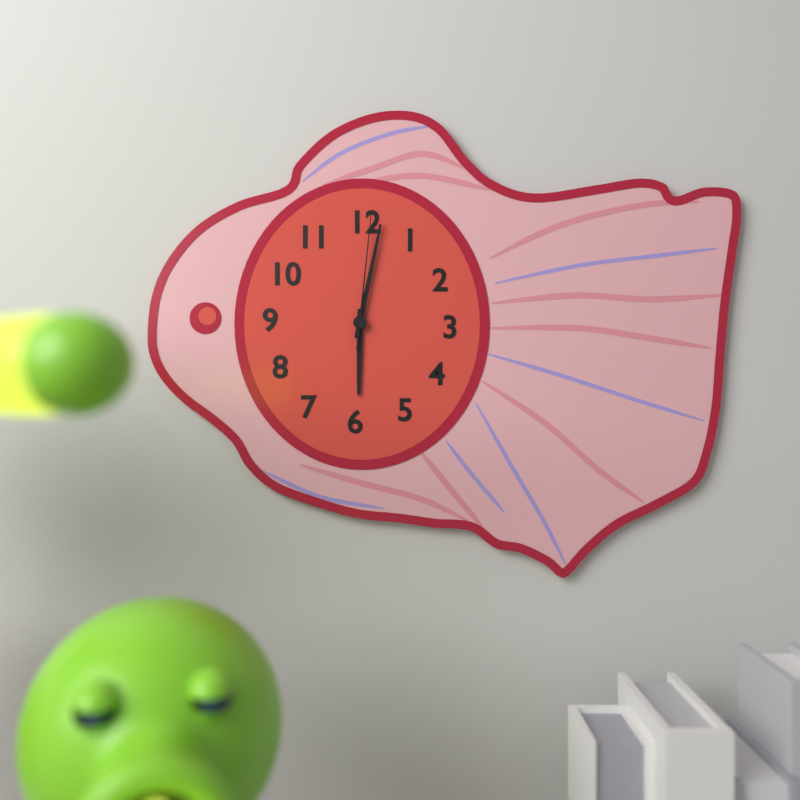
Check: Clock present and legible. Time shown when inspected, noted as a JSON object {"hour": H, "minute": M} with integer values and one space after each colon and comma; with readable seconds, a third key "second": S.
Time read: {"hour": 6, "minute": 2, "second": 1}
